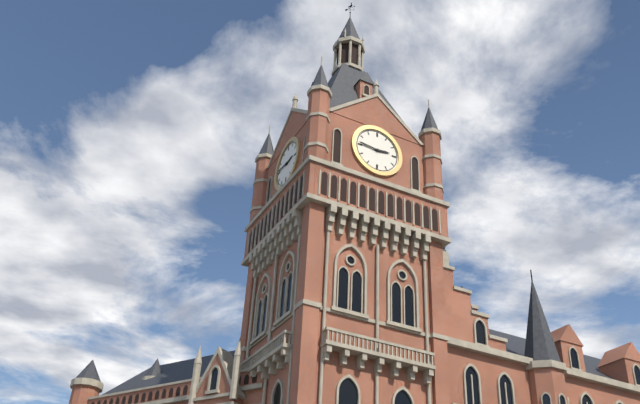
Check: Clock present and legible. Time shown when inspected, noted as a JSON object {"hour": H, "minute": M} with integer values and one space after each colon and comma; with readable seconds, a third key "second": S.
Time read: {"hour": 2, "minute": 46}
